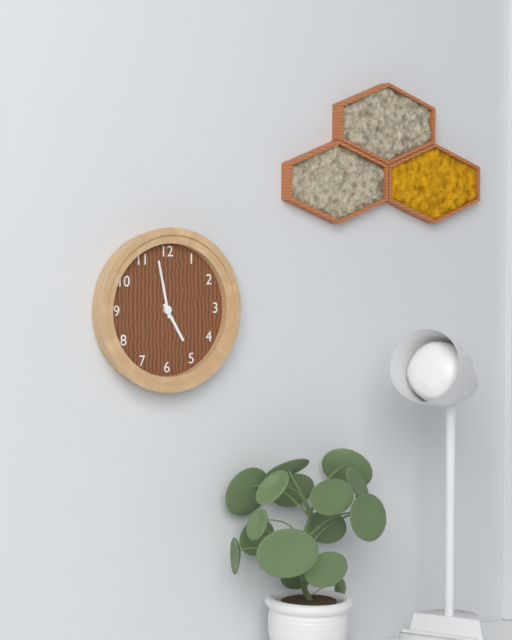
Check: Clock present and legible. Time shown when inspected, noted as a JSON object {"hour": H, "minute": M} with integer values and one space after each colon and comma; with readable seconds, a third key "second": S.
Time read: {"hour": 4, "minute": 58}
